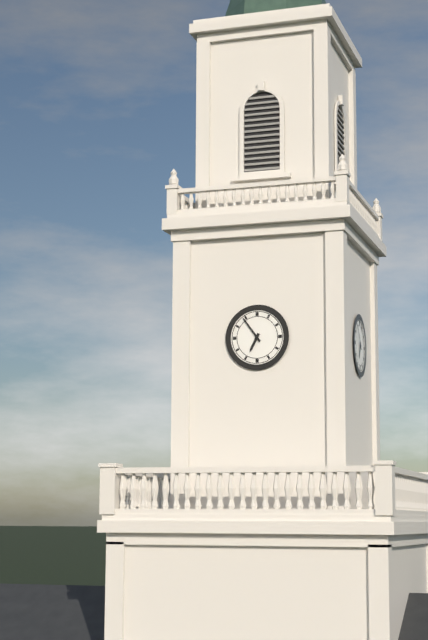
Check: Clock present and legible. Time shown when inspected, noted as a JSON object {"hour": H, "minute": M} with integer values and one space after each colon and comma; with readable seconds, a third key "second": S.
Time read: {"hour": 6, "minute": 54}
